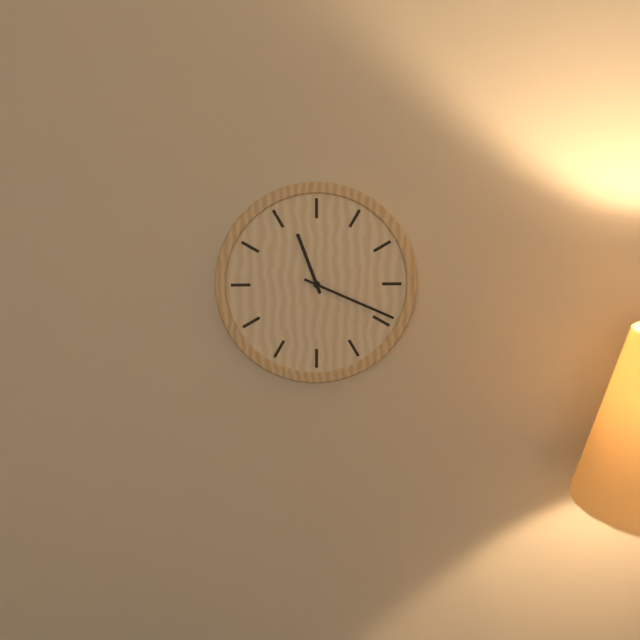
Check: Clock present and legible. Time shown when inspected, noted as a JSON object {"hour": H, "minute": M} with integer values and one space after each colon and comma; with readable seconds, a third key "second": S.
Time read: {"hour": 11, "minute": 19}
